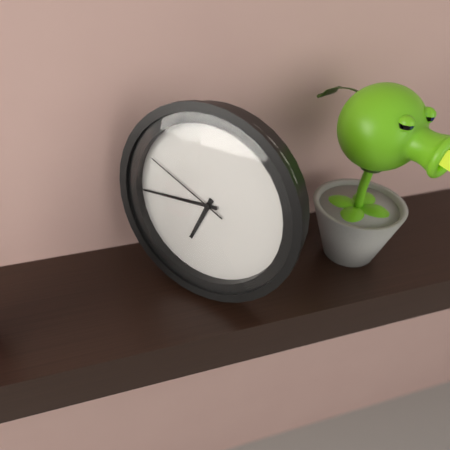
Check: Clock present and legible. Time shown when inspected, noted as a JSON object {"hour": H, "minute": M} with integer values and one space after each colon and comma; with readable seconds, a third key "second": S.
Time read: {"hour": 6, "minute": 44, "second": 49}
